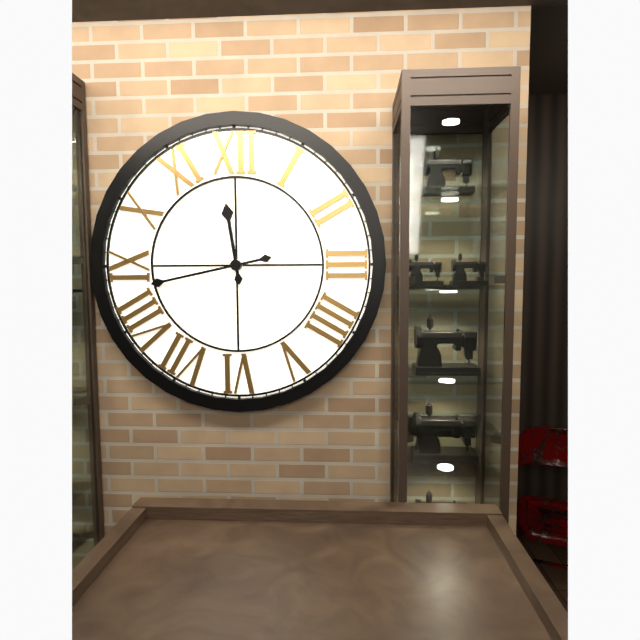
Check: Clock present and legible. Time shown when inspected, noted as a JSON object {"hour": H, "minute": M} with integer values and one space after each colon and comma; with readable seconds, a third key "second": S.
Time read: {"hour": 11, "minute": 43}
